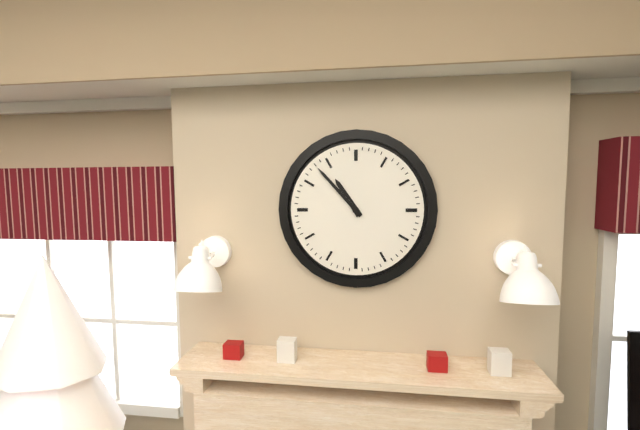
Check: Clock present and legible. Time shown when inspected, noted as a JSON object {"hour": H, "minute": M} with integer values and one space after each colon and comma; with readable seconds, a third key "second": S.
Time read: {"hour": 10, "minute": 53}
